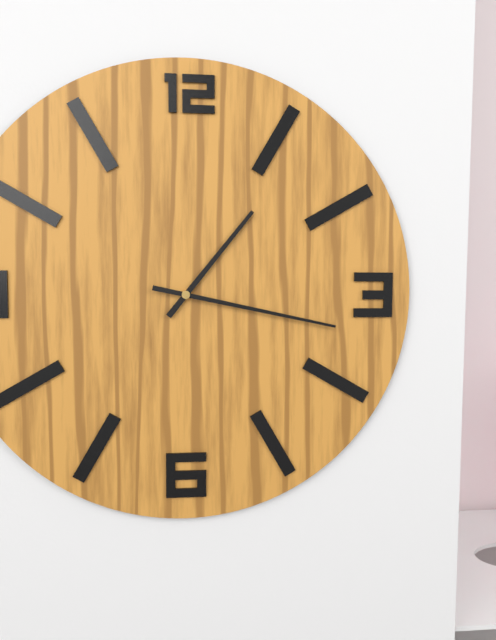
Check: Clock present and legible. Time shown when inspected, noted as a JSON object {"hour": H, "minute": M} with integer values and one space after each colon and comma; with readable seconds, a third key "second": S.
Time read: {"hour": 1, "minute": 17}
